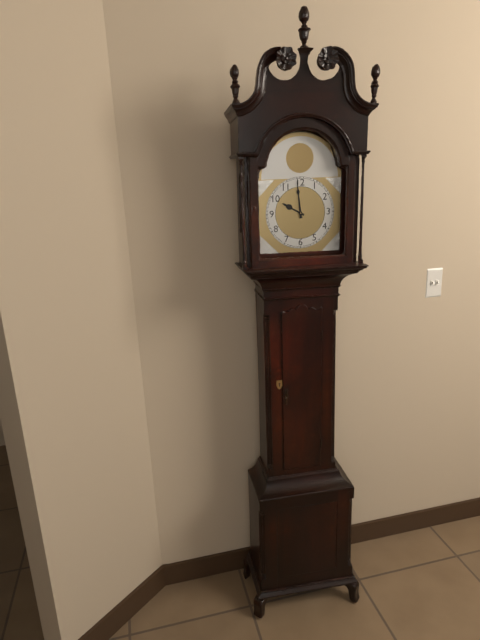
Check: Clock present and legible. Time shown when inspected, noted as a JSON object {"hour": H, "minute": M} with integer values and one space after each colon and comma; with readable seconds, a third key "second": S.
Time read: {"hour": 9, "minute": 59}
